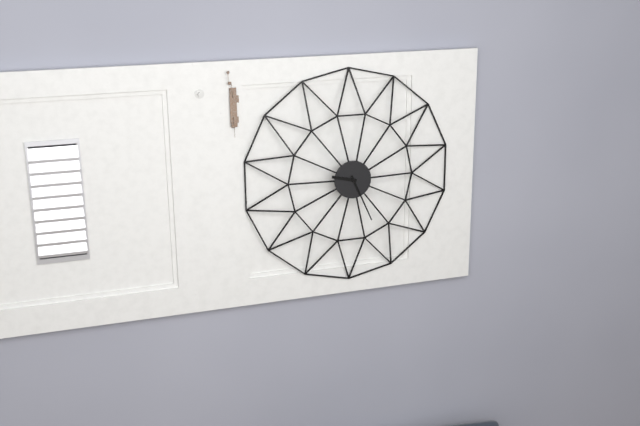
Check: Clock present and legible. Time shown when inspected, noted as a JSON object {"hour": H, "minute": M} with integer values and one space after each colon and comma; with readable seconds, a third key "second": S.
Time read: {"hour": 9, "minute": 26}
